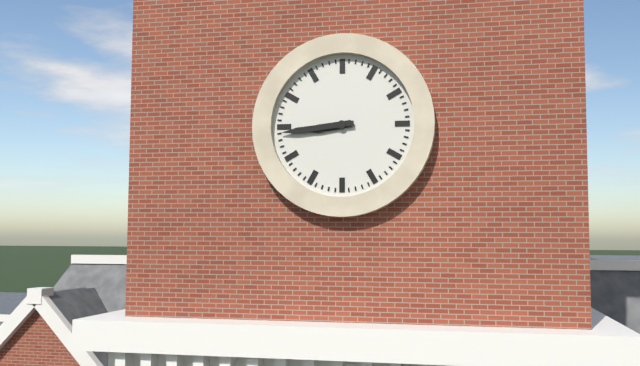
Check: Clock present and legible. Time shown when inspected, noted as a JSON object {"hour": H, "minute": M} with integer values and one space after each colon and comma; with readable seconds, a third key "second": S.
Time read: {"hour": 8, "minute": 44}
